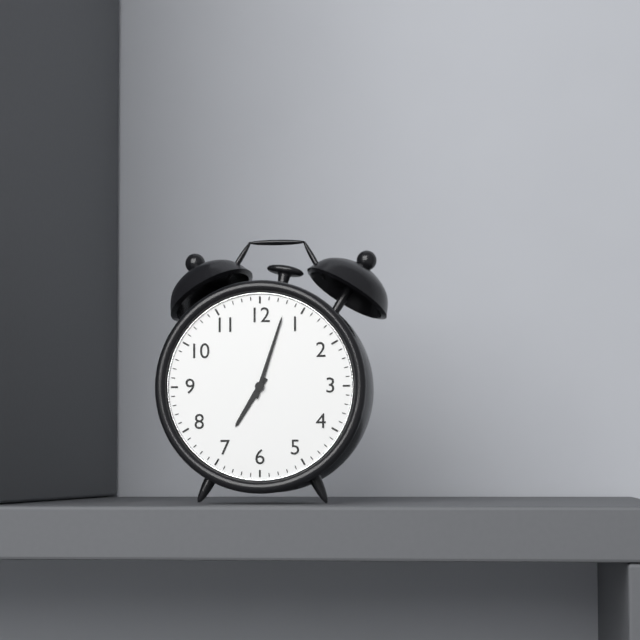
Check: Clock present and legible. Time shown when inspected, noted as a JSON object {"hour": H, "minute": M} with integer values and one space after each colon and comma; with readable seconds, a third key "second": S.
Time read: {"hour": 7, "minute": 3}
